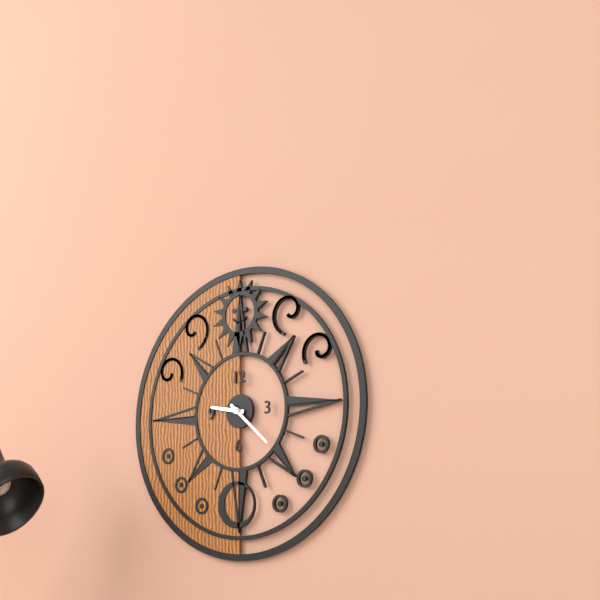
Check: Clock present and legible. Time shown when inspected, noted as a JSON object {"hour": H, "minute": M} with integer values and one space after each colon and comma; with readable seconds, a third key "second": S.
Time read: {"hour": 9, "minute": 22}
